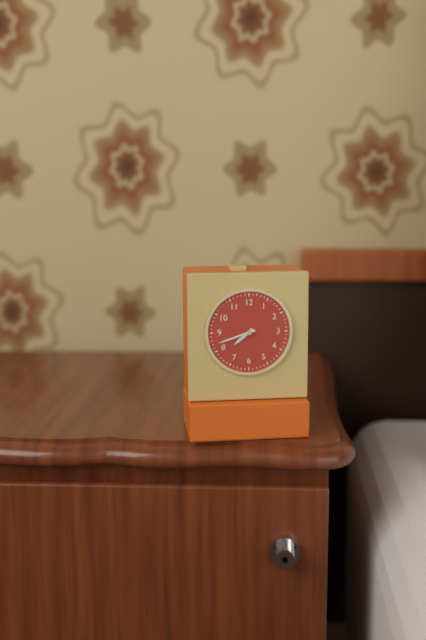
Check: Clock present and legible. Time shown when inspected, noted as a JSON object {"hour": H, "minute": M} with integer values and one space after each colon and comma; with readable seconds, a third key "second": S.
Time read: {"hour": 7, "minute": 42}
